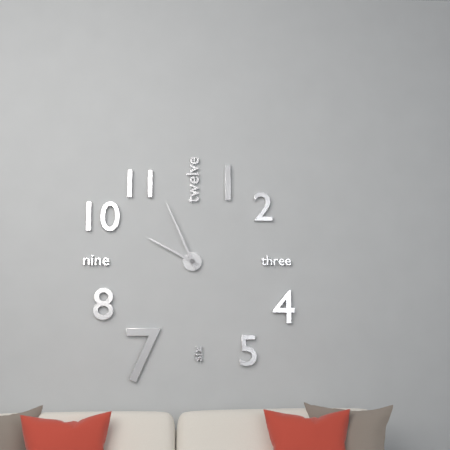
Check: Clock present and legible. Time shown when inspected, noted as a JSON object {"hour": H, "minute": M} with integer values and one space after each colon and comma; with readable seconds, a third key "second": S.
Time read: {"hour": 9, "minute": 56}
